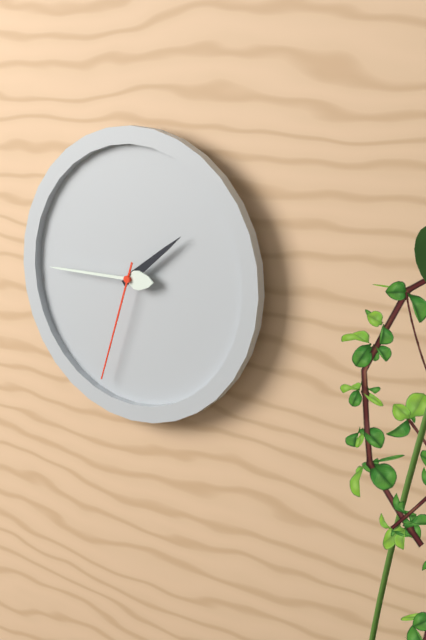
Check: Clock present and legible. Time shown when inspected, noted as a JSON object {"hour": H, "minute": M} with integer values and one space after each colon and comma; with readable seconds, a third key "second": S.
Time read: {"hour": 1, "minute": 45, "second": 33}
